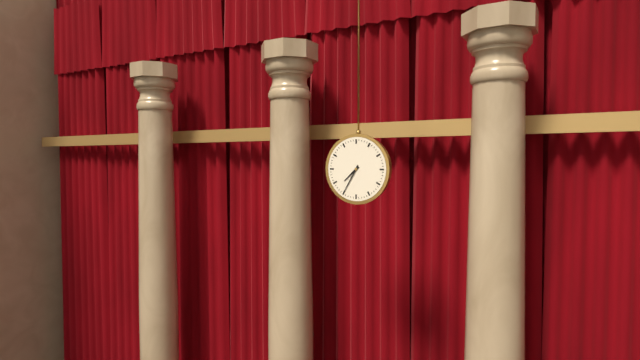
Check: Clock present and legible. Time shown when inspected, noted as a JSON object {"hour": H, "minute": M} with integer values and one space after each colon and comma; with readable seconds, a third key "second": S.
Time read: {"hour": 7, "minute": 35}
